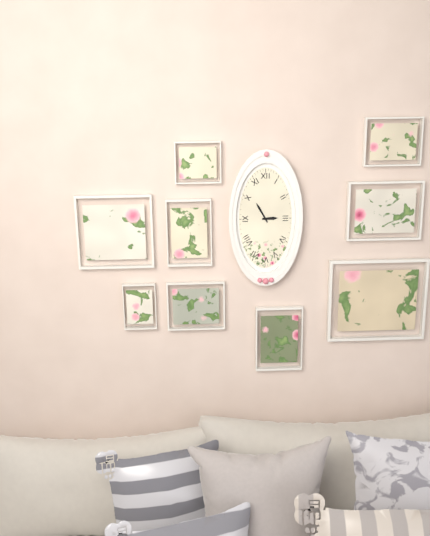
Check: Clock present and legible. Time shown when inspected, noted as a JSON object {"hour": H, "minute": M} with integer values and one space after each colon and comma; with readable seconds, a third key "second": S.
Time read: {"hour": 2, "minute": 55}
